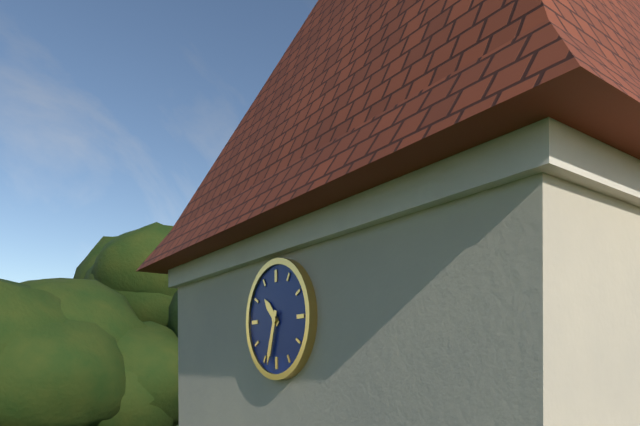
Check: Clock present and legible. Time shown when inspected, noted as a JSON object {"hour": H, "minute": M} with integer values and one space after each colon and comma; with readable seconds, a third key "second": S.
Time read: {"hour": 10, "minute": 33}
